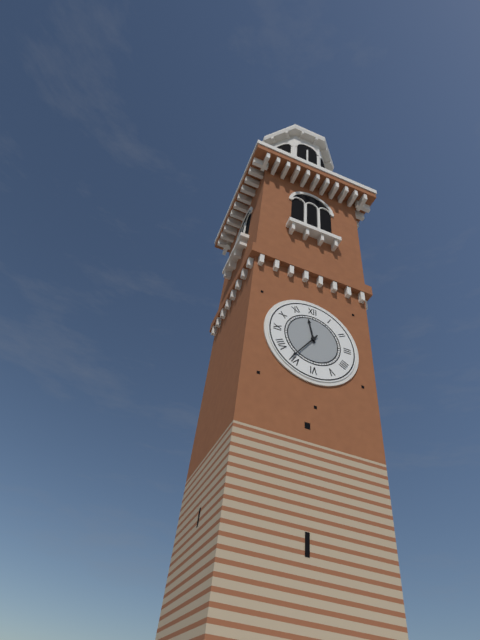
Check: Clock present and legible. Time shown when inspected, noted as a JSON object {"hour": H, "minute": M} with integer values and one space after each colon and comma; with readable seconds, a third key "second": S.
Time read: {"hour": 11, "minute": 36}
